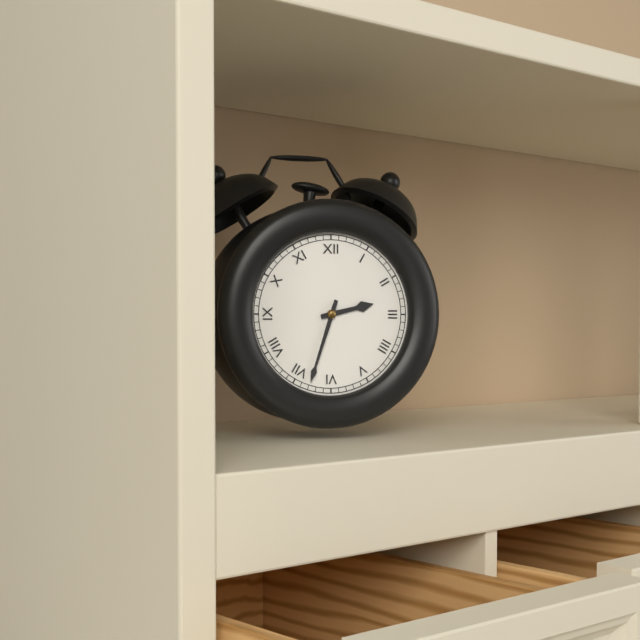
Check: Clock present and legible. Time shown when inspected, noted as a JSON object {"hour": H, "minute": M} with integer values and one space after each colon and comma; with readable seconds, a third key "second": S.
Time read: {"hour": 2, "minute": 33}
